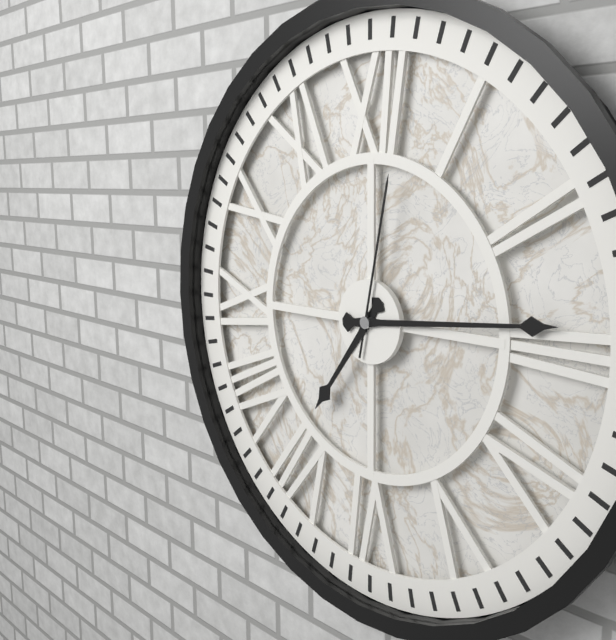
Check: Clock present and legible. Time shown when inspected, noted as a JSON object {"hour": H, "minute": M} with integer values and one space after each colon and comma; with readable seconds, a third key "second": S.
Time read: {"hour": 7, "minute": 14, "second": 2}
